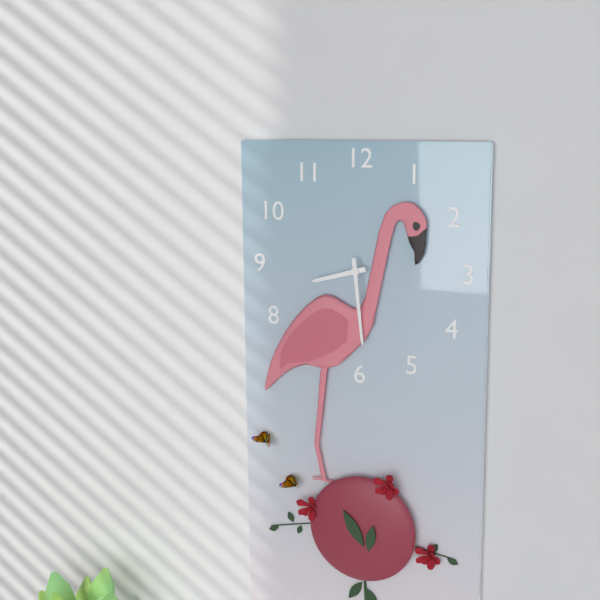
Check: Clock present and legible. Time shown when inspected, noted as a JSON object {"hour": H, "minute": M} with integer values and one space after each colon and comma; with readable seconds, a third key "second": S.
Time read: {"hour": 8, "minute": 29}
